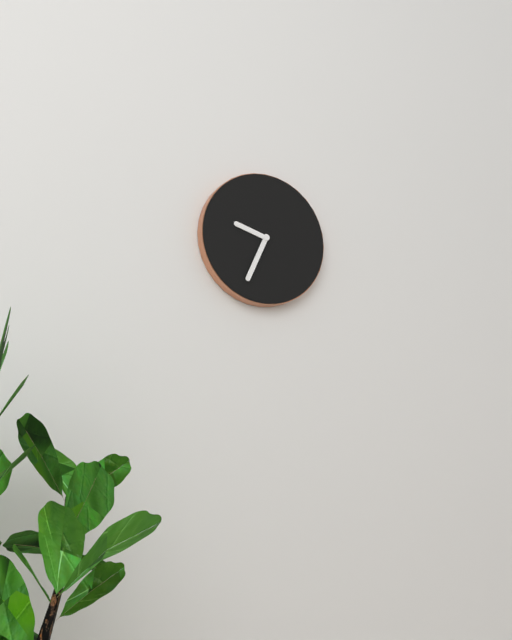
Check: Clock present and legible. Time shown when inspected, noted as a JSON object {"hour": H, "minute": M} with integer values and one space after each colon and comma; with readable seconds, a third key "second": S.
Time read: {"hour": 9, "minute": 34}
